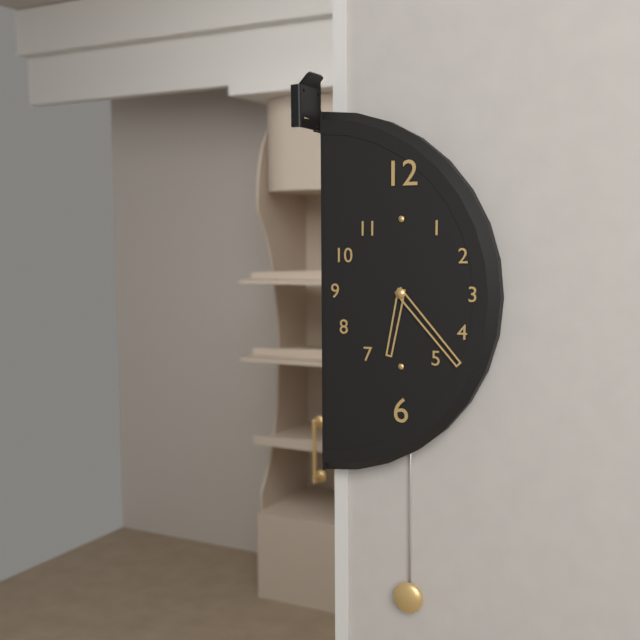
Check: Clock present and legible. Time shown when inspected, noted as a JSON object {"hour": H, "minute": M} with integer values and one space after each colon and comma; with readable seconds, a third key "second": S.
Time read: {"hour": 6, "minute": 23}
